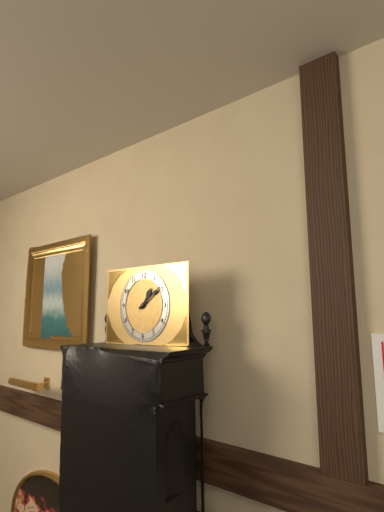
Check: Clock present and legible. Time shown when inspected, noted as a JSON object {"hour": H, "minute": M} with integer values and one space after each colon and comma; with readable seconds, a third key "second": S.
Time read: {"hour": 1, "minute": 9}
